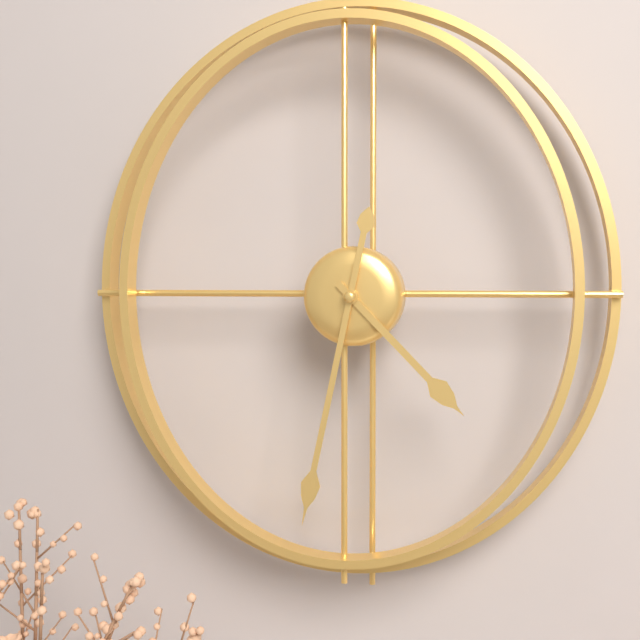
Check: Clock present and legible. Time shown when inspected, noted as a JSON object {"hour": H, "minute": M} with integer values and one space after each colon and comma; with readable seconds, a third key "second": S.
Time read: {"hour": 4, "minute": 32}
